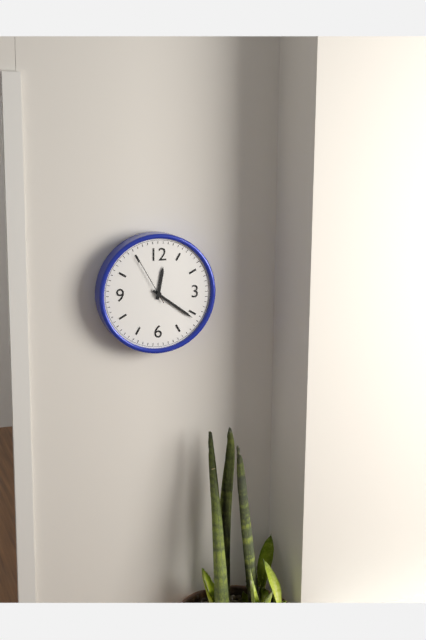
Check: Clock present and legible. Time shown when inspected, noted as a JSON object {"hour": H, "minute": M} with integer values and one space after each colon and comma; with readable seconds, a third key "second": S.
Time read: {"hour": 12, "minute": 21, "second": 55}
